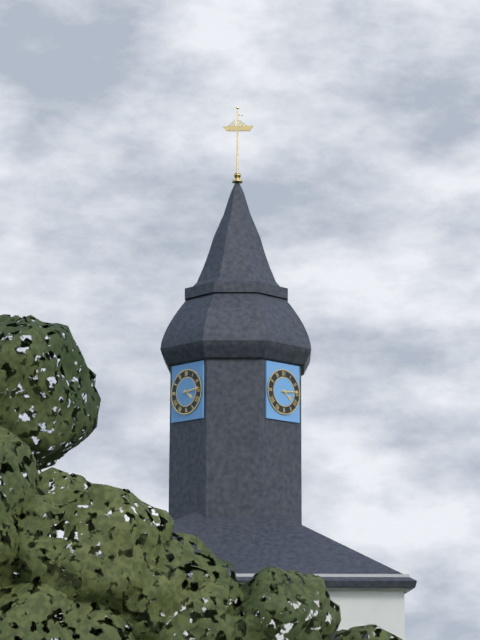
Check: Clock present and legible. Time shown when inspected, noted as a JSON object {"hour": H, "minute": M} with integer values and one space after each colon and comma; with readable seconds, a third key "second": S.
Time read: {"hour": 4, "minute": 14}
